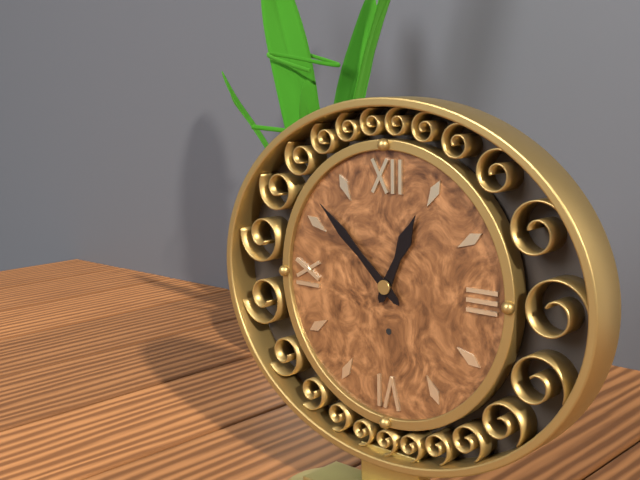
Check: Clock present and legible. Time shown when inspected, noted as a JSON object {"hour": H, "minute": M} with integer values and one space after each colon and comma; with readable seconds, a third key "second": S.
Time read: {"hour": 12, "minute": 52}
